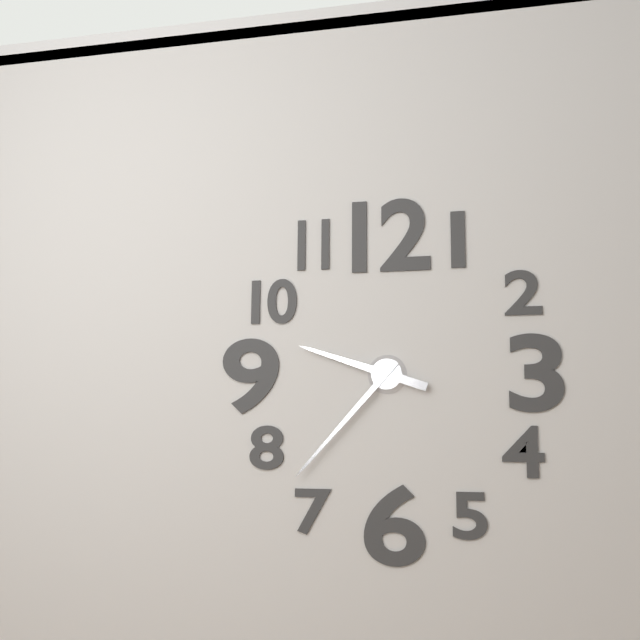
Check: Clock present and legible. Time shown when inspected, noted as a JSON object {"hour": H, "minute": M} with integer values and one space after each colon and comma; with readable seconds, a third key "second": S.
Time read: {"hour": 9, "minute": 37}
